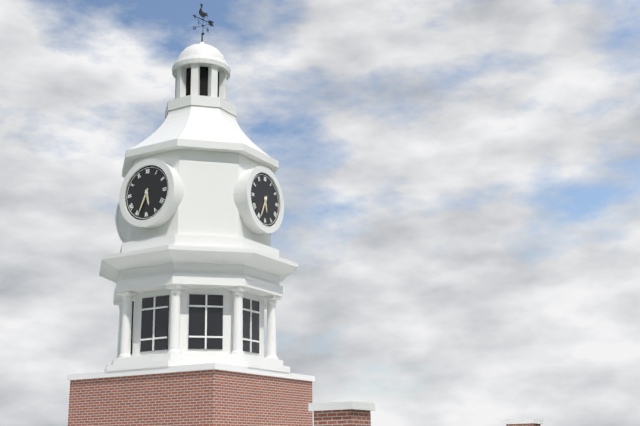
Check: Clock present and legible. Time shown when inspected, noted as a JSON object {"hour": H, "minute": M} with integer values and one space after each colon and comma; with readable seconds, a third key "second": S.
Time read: {"hour": 5, "minute": 34}
